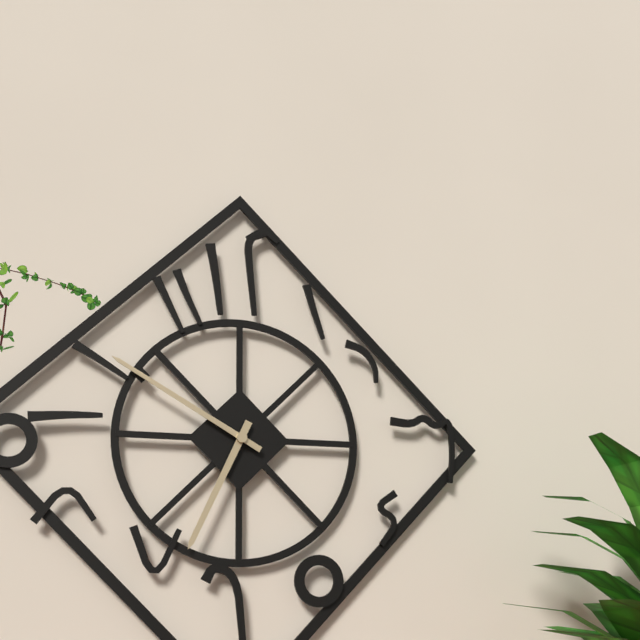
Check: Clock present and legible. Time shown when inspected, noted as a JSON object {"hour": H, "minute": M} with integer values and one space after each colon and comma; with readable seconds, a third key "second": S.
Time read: {"hour": 6, "minute": 50}
